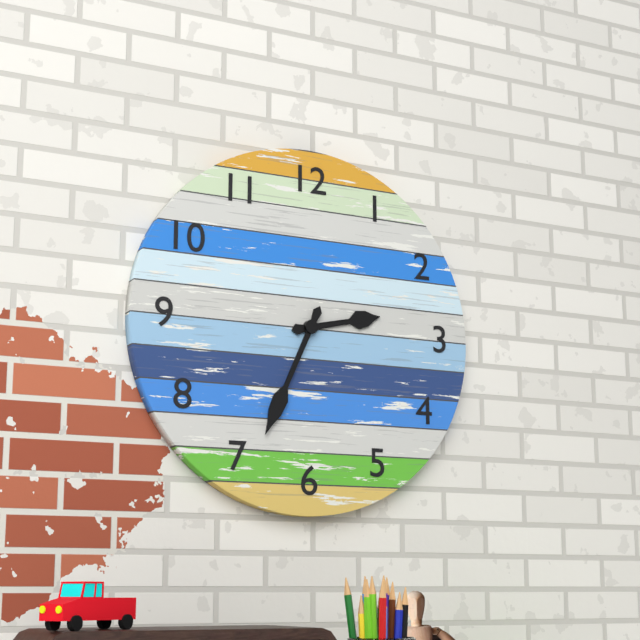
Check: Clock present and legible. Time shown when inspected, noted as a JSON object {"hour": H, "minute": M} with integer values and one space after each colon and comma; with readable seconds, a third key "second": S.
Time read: {"hour": 2, "minute": 34}
